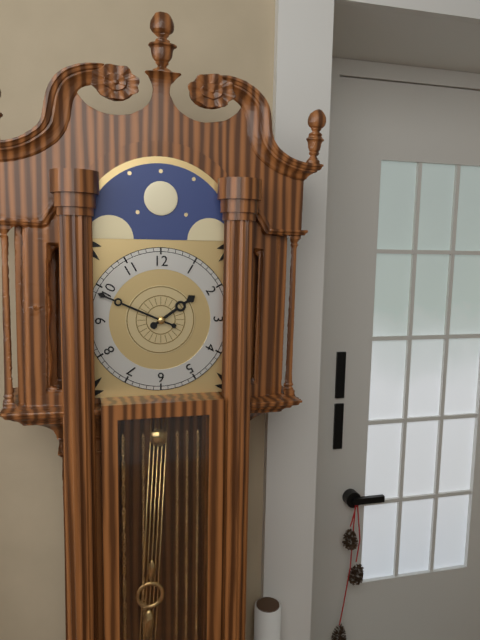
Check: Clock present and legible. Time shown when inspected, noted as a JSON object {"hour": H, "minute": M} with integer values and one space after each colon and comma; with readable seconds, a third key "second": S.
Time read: {"hour": 1, "minute": 49}
